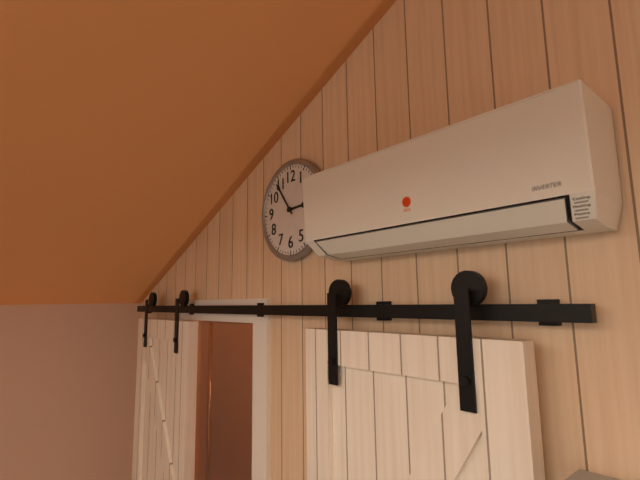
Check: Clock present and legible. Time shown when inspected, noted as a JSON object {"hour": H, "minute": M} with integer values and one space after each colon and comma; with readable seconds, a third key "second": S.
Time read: {"hour": 2, "minute": 54}
